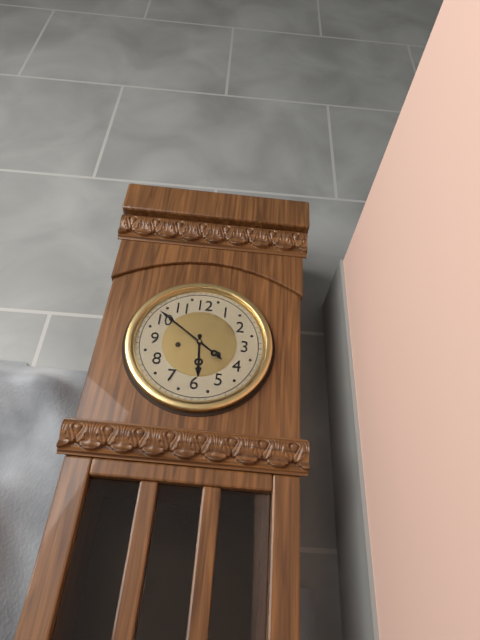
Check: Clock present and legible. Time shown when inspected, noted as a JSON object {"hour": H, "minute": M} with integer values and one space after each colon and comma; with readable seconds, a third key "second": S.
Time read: {"hour": 5, "minute": 51}
